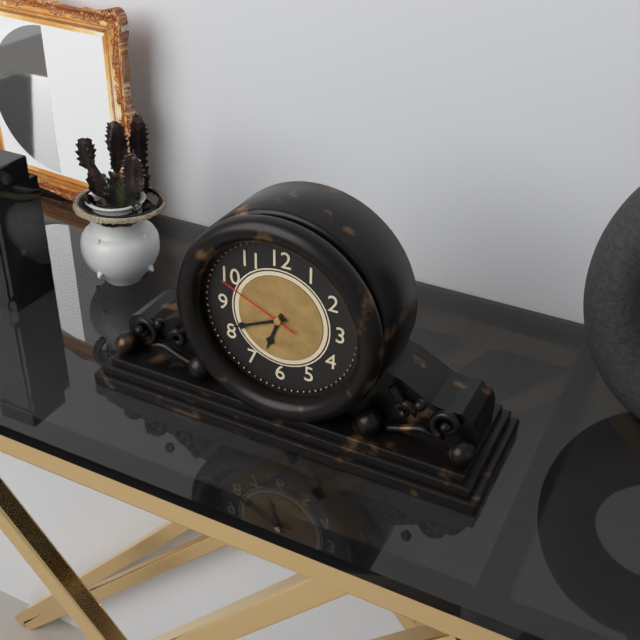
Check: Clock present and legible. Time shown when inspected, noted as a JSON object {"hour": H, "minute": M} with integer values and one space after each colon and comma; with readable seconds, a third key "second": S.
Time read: {"hour": 6, "minute": 41, "second": 49}
